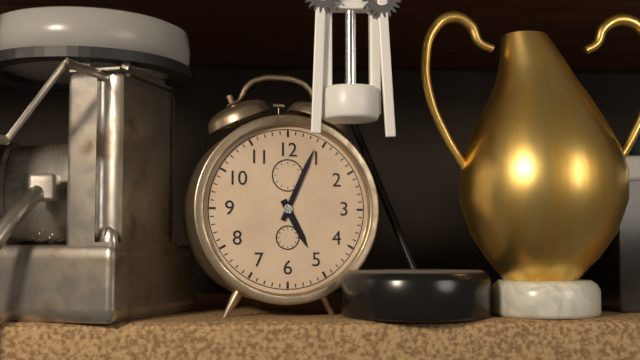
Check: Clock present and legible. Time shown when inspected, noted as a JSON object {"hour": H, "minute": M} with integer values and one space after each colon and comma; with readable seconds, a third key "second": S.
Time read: {"hour": 5, "minute": 4}
